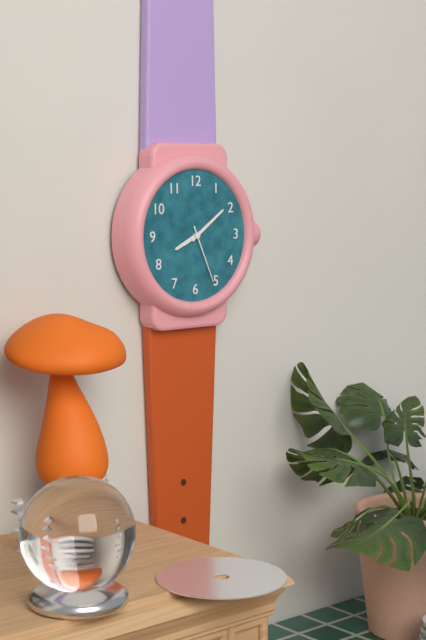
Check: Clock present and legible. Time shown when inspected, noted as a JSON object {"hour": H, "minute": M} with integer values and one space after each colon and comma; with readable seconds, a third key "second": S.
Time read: {"hour": 8, "minute": 9, "second": 26}
